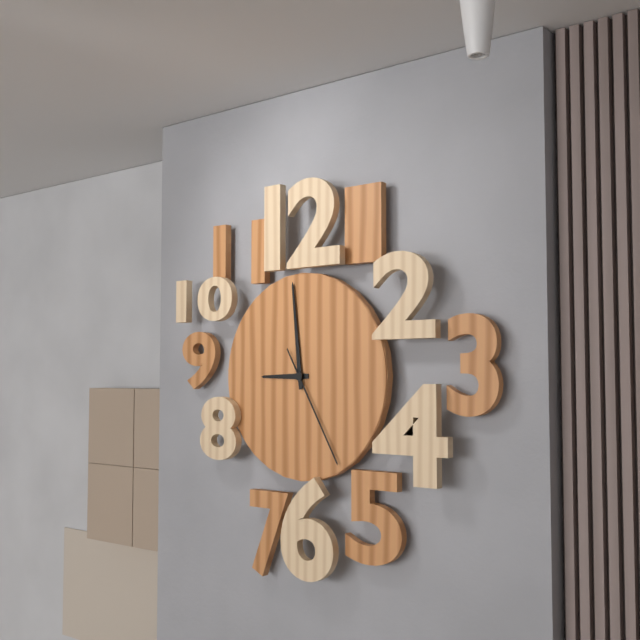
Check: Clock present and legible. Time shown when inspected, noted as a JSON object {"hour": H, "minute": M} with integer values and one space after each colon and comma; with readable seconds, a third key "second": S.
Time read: {"hour": 8, "minute": 59, "second": 25}
